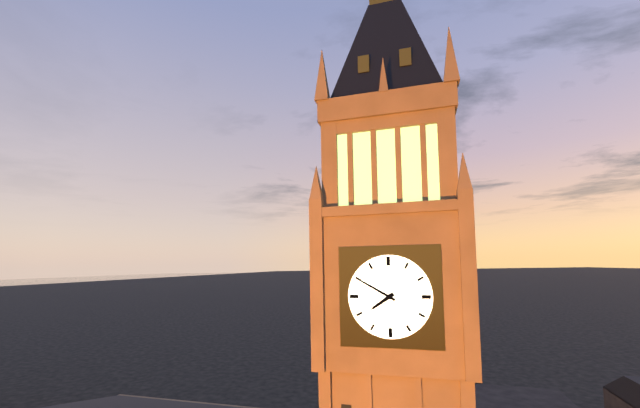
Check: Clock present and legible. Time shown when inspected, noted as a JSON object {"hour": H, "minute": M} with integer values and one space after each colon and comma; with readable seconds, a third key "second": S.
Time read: {"hour": 7, "minute": 50}
